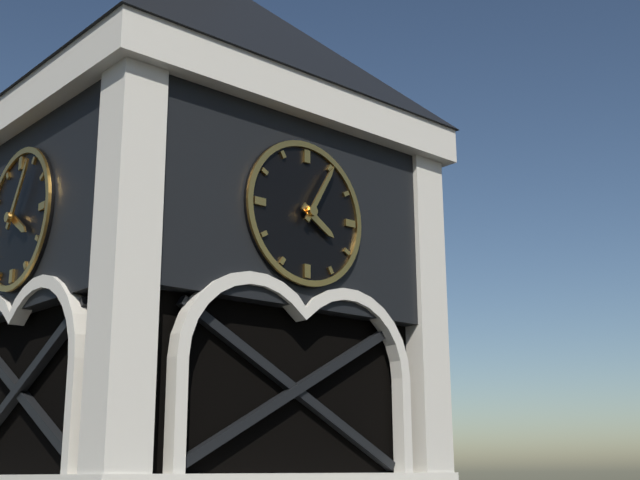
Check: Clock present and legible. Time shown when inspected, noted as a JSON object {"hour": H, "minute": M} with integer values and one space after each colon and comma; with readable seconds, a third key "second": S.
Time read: {"hour": 4, "minute": 5}
